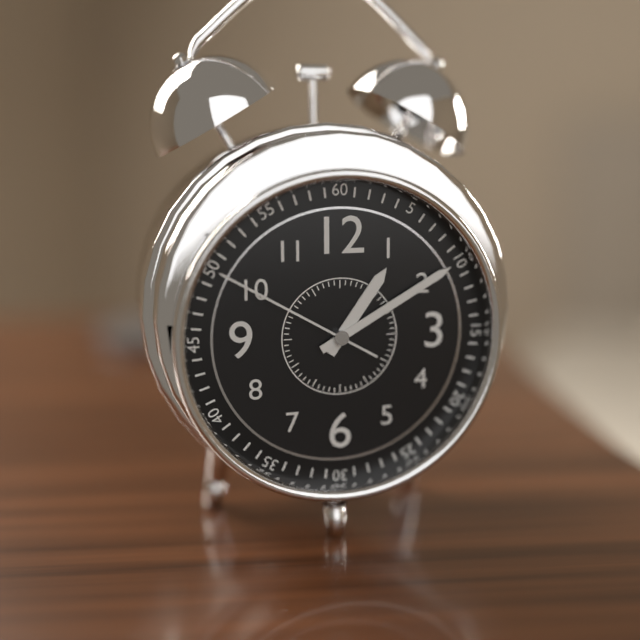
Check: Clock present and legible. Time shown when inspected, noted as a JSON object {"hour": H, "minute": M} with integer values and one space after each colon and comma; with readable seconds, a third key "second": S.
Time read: {"hour": 1, "minute": 10, "second": 50}
